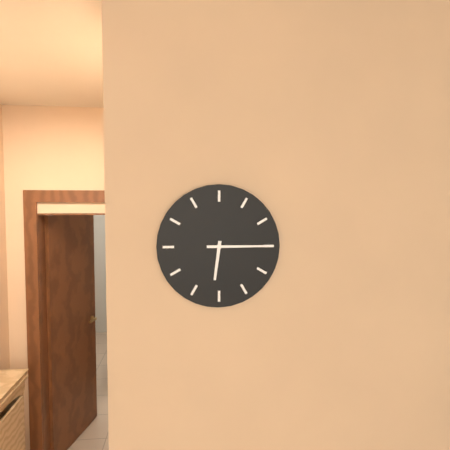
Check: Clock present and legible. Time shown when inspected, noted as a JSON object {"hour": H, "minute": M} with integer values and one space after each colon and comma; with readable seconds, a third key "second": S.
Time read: {"hour": 6, "minute": 15}
